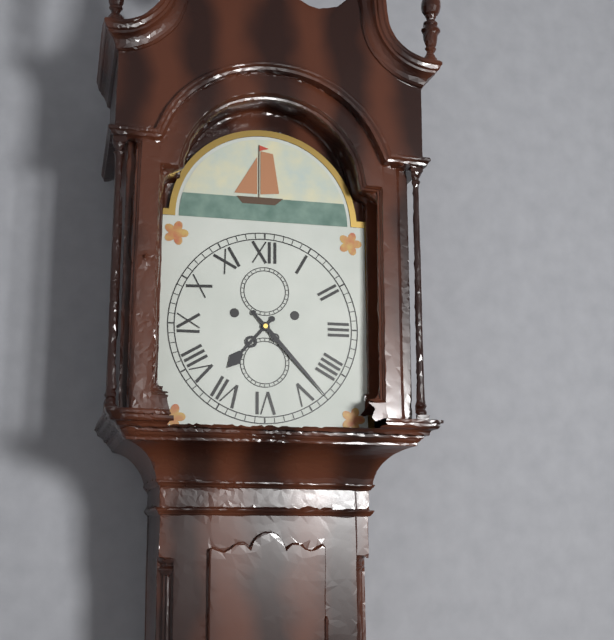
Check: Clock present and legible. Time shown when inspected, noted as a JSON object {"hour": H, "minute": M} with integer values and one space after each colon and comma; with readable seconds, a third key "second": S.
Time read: {"hour": 7, "minute": 23}
